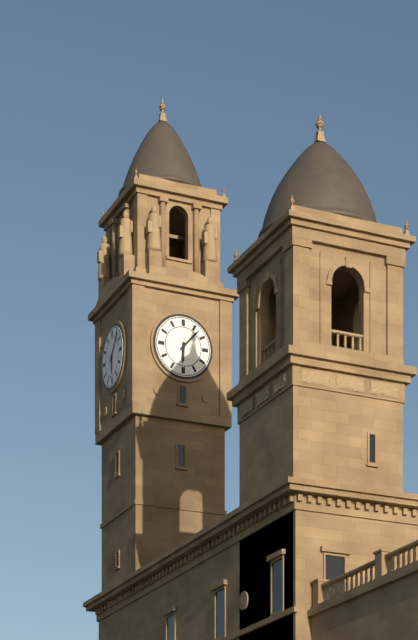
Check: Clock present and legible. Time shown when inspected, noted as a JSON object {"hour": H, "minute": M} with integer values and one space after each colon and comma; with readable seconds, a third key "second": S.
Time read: {"hour": 6, "minute": 7}
